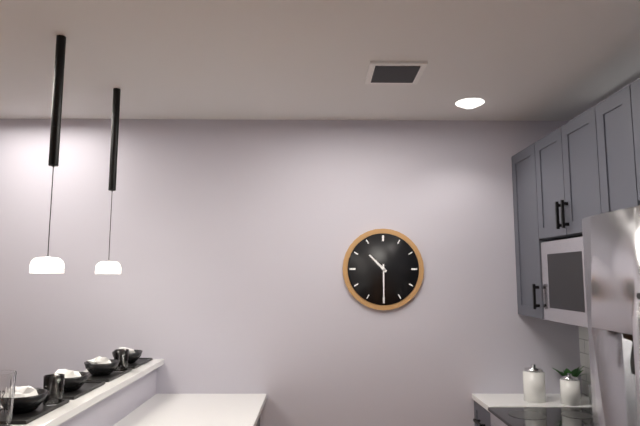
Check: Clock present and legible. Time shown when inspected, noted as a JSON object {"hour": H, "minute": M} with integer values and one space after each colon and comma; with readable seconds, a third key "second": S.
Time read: {"hour": 10, "minute": 30}
